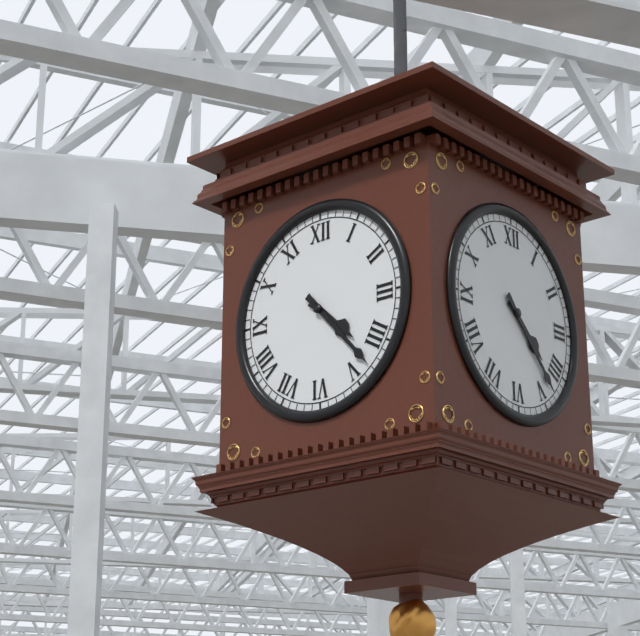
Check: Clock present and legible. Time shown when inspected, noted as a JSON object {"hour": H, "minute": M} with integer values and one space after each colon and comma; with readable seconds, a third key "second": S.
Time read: {"hour": 4, "minute": 23}
